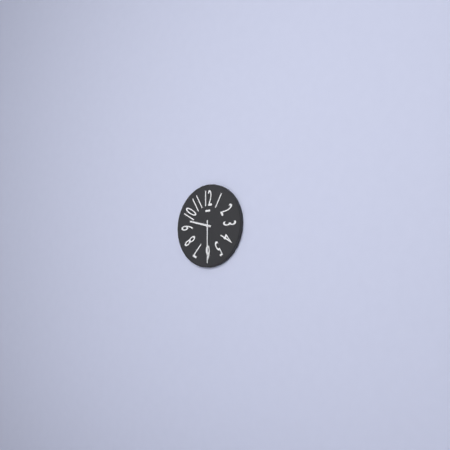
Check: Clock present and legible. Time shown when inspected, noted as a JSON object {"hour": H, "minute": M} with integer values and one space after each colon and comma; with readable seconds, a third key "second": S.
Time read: {"hour": 9, "minute": 30}
